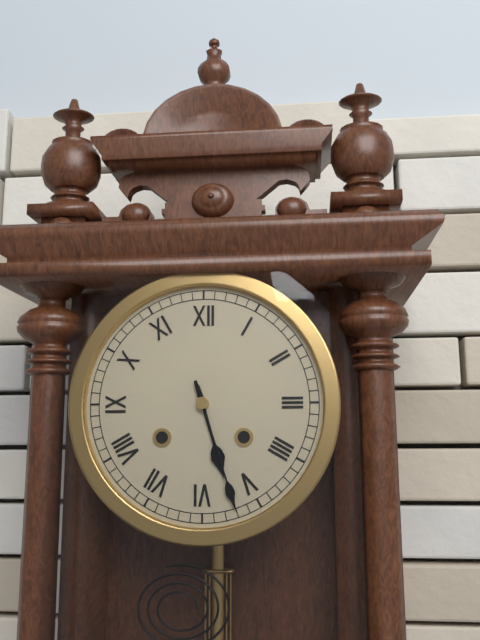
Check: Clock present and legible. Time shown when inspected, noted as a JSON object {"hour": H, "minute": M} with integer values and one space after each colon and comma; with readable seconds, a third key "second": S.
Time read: {"hour": 5, "minute": 27}
